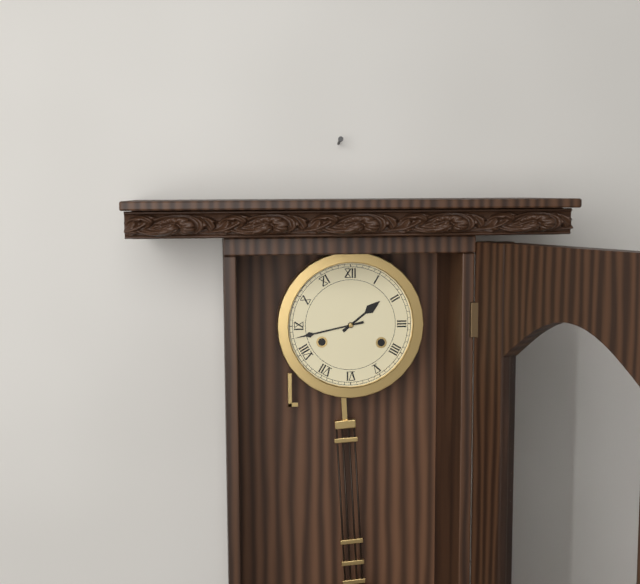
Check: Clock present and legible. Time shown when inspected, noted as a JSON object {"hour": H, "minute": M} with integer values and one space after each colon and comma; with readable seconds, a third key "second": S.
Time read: {"hour": 1, "minute": 43}
